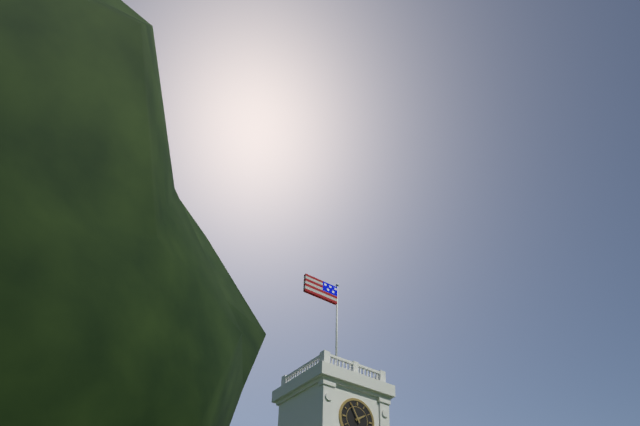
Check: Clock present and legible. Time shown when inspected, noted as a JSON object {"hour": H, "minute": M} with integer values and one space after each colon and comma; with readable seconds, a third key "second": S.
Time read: {"hour": 1, "minute": 55}
